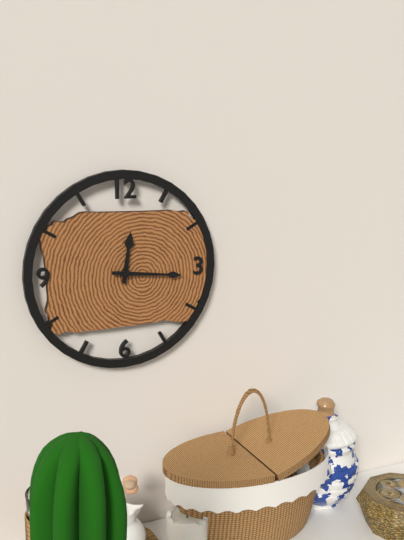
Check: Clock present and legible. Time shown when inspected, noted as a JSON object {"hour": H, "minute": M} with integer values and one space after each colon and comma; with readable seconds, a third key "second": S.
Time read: {"hour": 12, "minute": 16}
